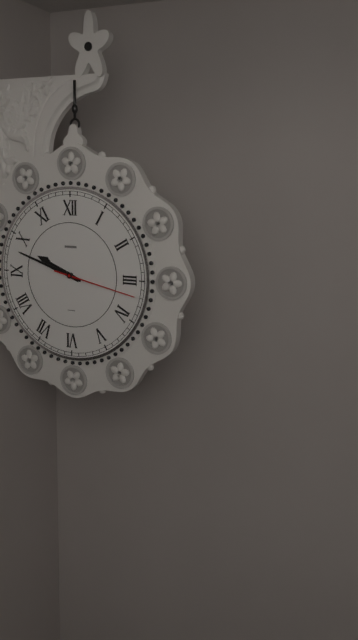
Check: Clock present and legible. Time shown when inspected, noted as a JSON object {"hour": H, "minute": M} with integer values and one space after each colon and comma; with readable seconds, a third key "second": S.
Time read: {"hour": 9, "minute": 48, "second": 17}
